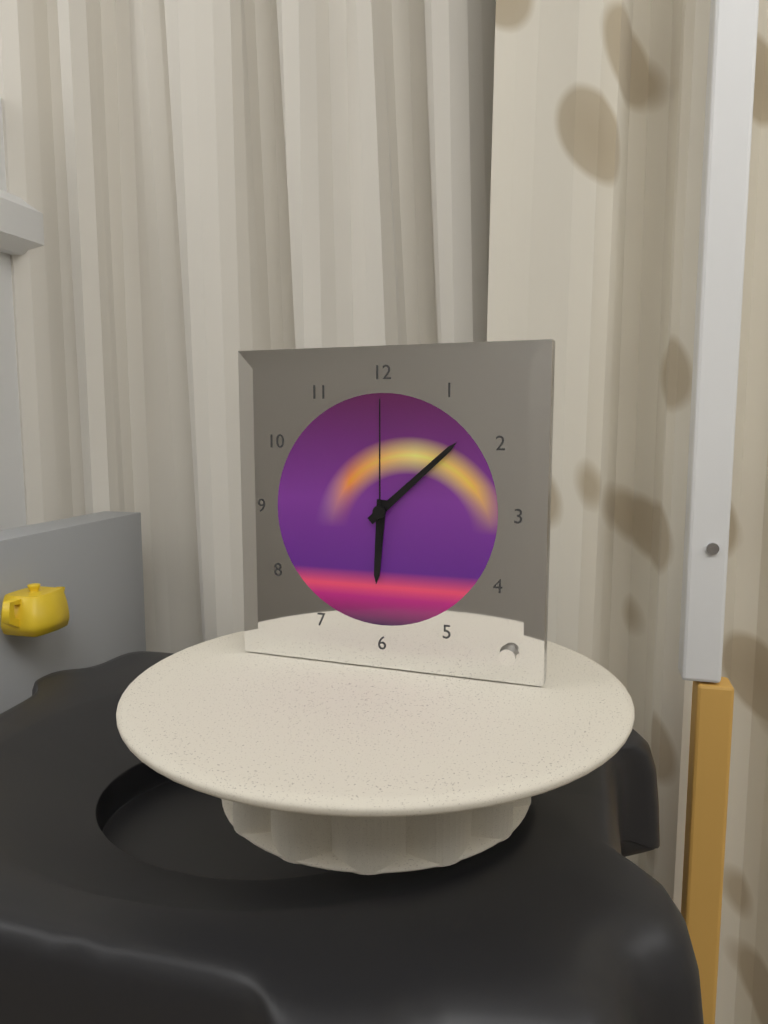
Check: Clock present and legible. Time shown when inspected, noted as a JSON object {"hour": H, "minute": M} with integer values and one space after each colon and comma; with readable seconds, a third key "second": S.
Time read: {"hour": 6, "minute": 8, "second": 0}
